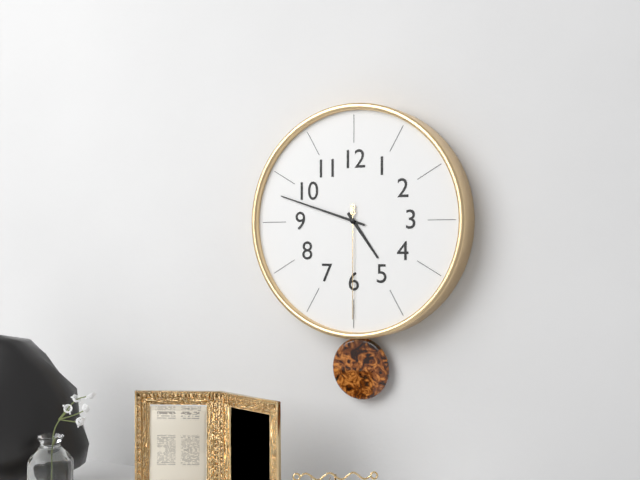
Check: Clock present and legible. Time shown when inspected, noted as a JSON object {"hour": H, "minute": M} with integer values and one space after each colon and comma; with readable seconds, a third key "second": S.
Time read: {"hour": 4, "minute": 48, "second": 30}
